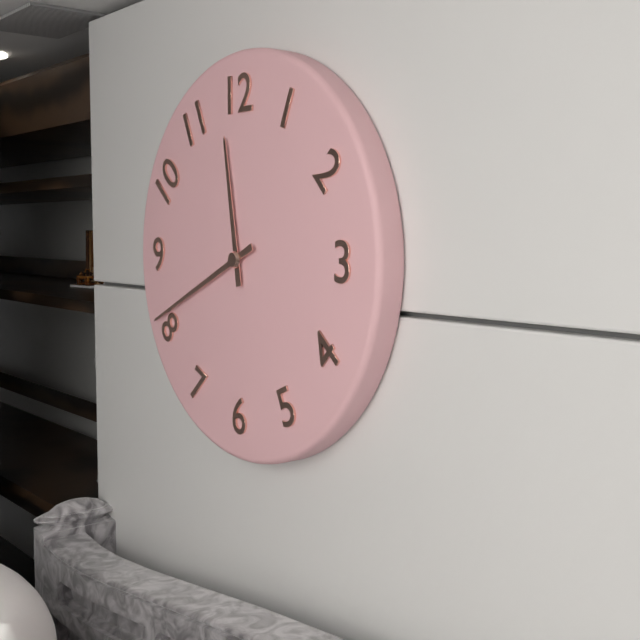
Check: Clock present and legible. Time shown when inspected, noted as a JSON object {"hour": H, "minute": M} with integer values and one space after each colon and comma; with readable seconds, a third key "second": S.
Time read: {"hour": 11, "minute": 41}
